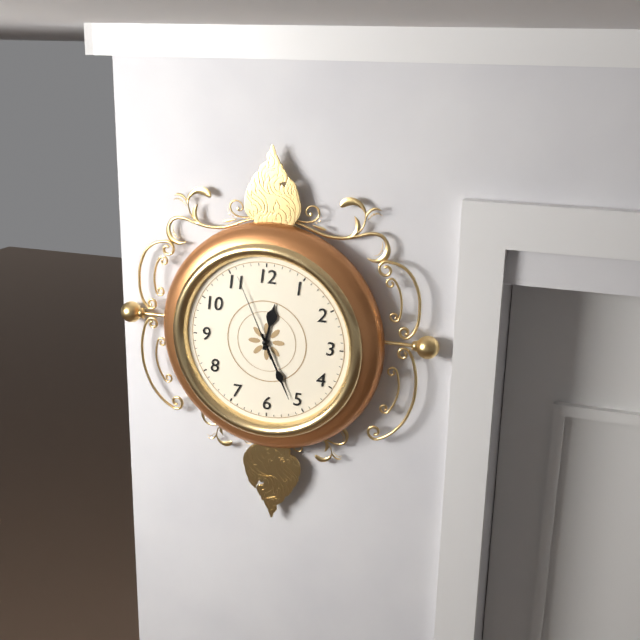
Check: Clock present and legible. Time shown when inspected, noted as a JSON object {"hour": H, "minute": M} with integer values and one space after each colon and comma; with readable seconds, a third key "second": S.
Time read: {"hour": 12, "minute": 26, "second": 56}
